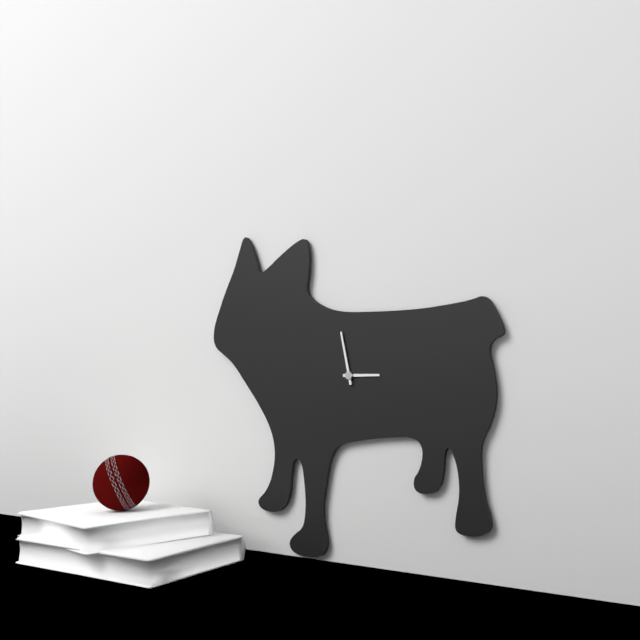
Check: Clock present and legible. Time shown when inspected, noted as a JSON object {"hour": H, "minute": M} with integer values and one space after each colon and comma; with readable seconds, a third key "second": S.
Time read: {"hour": 2, "minute": 58}
